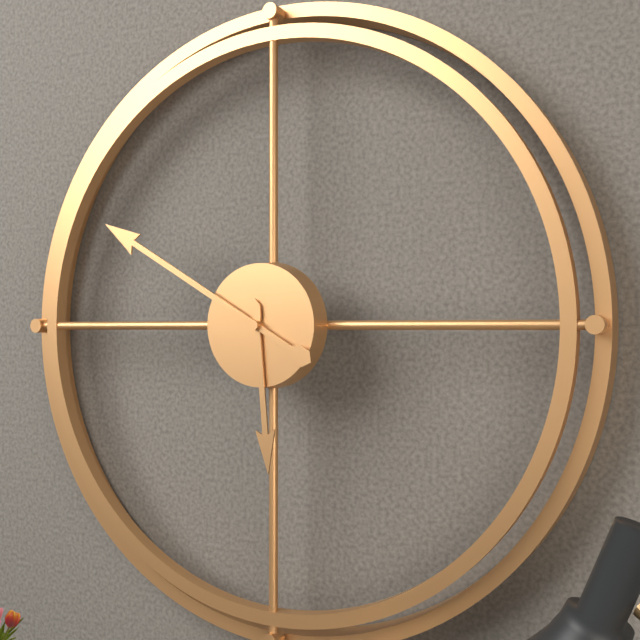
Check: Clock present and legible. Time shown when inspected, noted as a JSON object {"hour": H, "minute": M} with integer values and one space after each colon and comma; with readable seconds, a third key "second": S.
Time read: {"hour": 5, "minute": 50}
